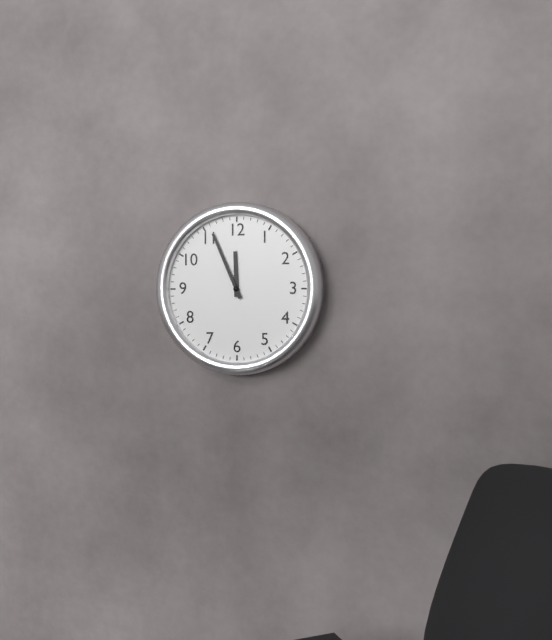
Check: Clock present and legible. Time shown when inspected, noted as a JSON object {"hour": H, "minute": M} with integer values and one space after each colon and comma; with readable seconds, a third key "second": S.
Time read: {"hour": 11, "minute": 56}
